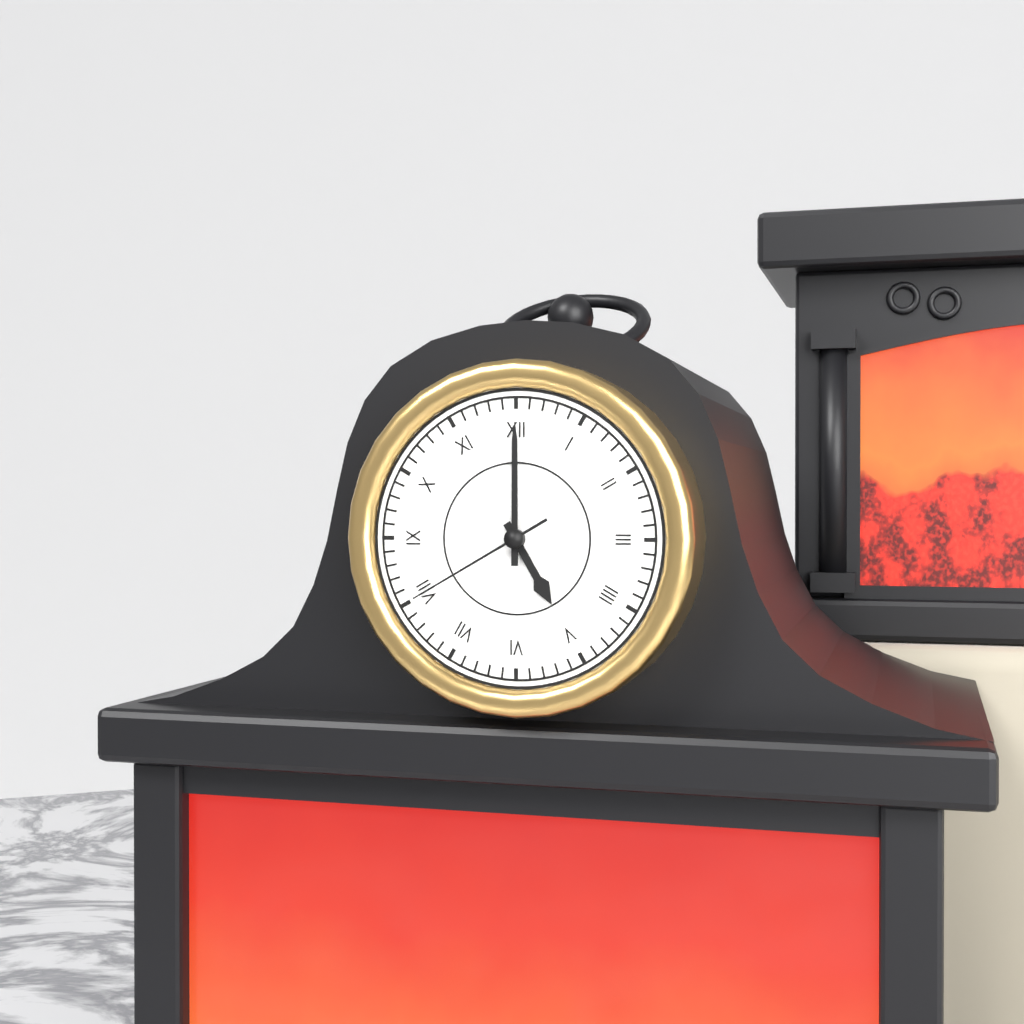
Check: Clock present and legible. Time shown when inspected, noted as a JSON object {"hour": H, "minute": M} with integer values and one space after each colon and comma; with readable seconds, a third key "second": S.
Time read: {"hour": 5, "minute": 0, "second": 40}
